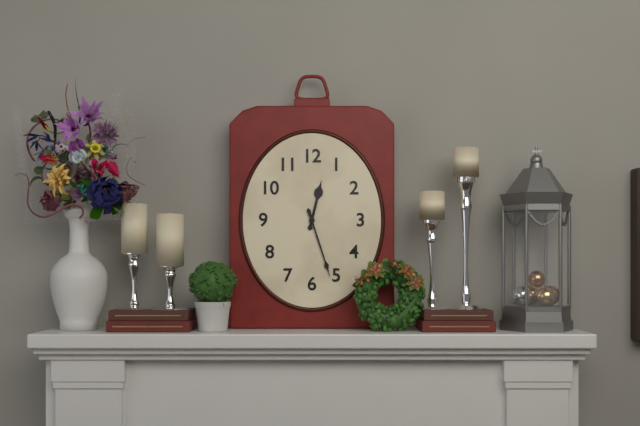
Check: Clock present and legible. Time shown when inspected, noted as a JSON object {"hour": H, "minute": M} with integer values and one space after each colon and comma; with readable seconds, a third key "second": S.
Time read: {"hour": 12, "minute": 27}
